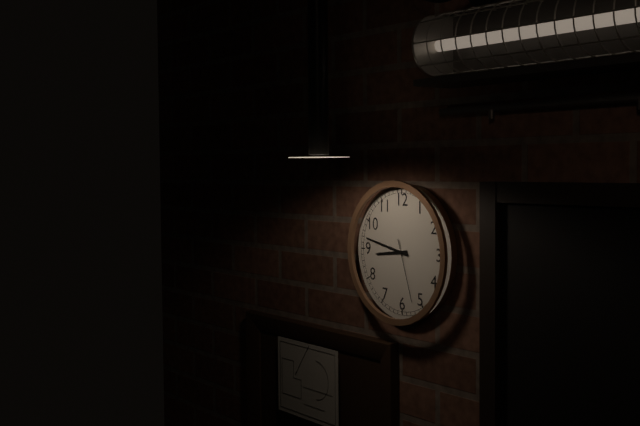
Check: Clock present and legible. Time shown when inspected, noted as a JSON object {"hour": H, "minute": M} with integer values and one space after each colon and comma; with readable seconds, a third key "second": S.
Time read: {"hour": 8, "minute": 47, "second": 27}
